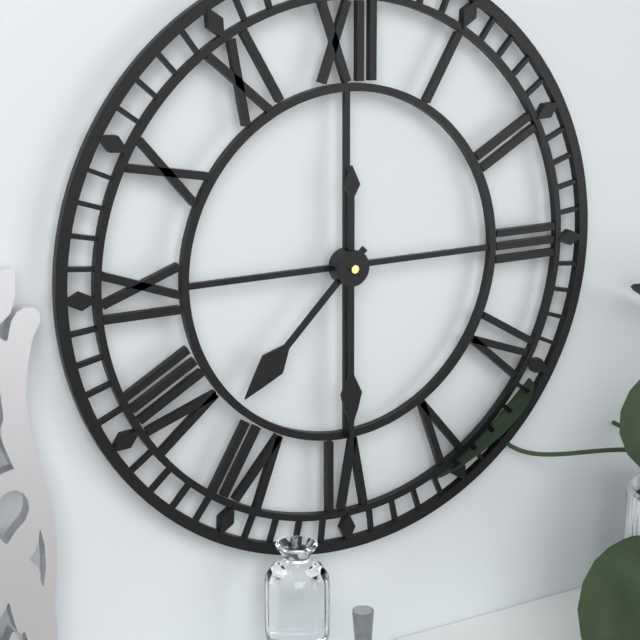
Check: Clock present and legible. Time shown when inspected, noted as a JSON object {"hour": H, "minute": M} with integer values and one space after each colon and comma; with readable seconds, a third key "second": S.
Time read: {"hour": 7, "minute": 30}
